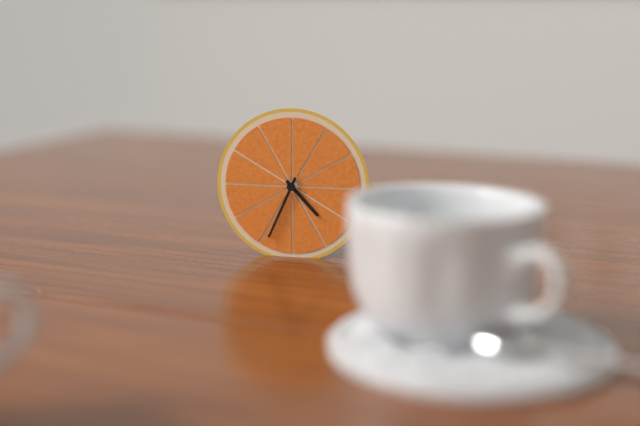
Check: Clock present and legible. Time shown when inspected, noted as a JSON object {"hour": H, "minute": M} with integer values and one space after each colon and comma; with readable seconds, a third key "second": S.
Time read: {"hour": 4, "minute": 34}
